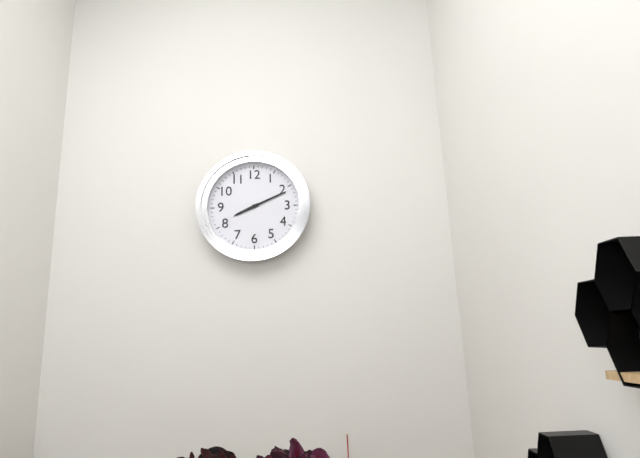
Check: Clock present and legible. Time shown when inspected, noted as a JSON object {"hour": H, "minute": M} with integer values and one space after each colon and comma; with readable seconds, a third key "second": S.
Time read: {"hour": 8, "minute": 11}
